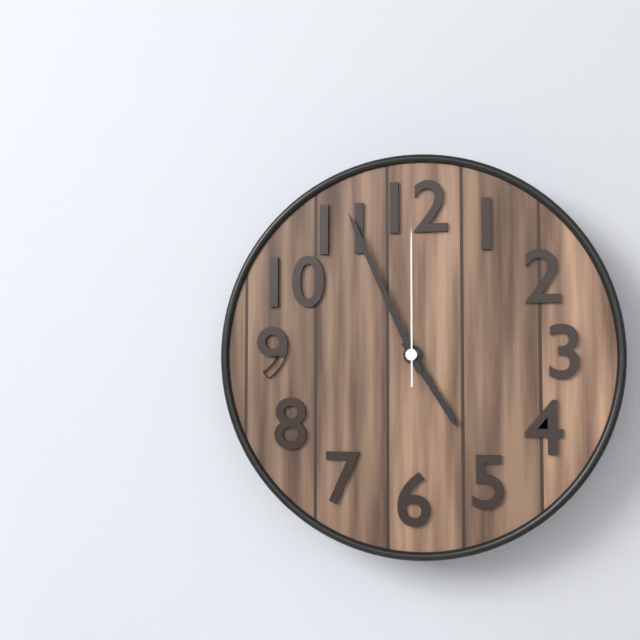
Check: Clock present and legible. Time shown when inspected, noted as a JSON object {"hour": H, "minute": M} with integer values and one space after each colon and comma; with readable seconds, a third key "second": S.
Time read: {"hour": 4, "minute": 56, "second": 0}
